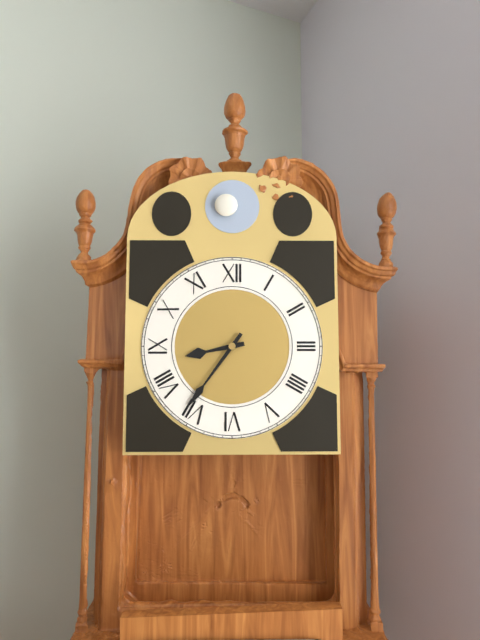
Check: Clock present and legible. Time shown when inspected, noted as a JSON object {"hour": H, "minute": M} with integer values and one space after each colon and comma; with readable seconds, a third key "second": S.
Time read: {"hour": 8, "minute": 36}
